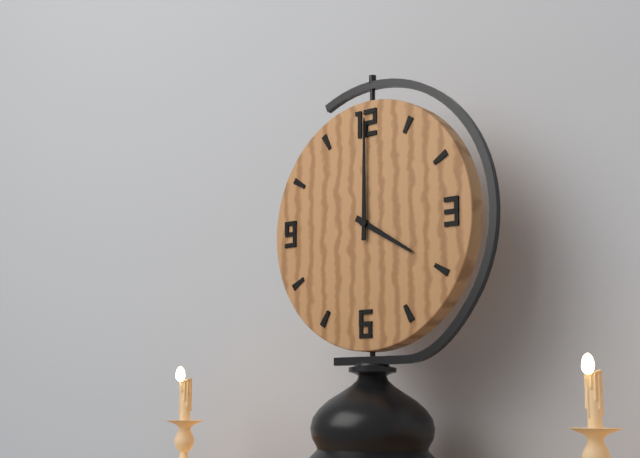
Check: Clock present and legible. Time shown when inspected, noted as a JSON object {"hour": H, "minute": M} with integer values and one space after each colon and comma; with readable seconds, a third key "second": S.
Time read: {"hour": 4, "minute": 0}
